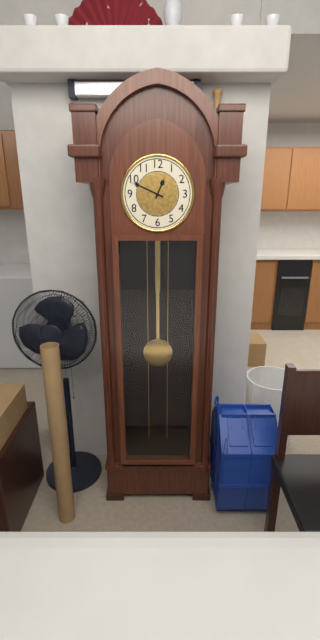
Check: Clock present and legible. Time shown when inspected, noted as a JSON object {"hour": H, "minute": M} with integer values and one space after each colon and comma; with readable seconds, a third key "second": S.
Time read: {"hour": 12, "minute": 49}
